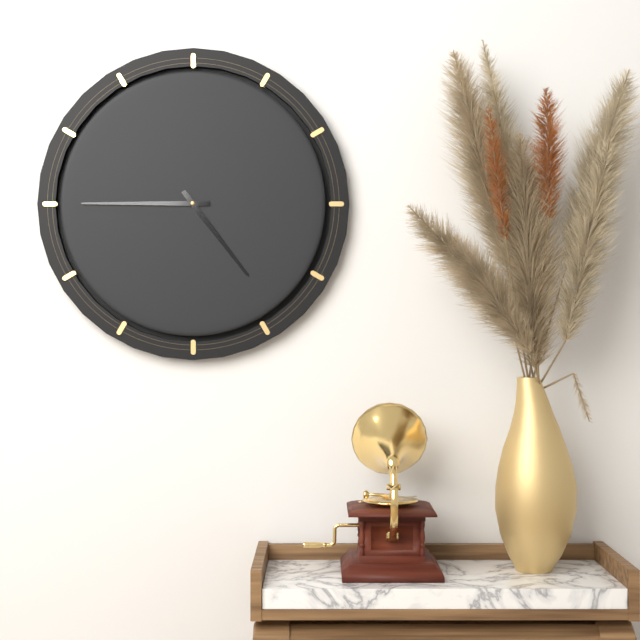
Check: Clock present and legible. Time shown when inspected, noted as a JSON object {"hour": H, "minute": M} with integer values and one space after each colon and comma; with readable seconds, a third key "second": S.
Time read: {"hour": 4, "minute": 45}
